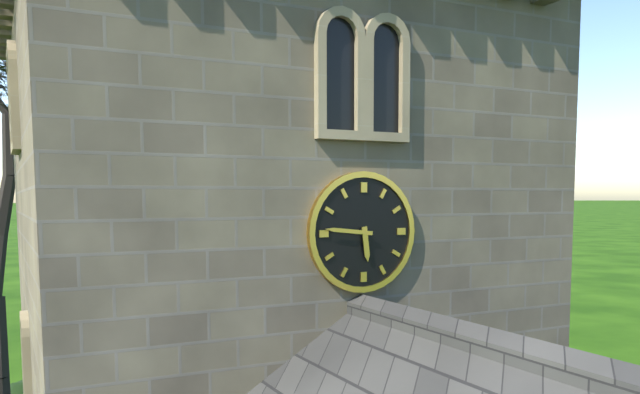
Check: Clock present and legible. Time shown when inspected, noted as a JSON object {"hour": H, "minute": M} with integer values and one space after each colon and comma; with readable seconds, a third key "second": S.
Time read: {"hour": 5, "minute": 46}
